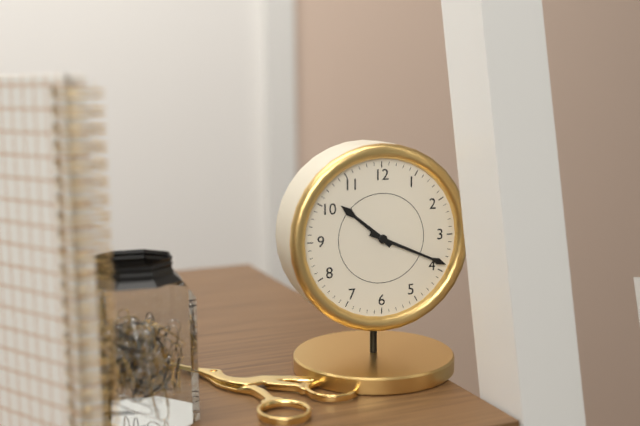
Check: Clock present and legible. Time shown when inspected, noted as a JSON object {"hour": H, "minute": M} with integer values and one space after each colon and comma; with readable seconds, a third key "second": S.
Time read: {"hour": 10, "minute": 19}
